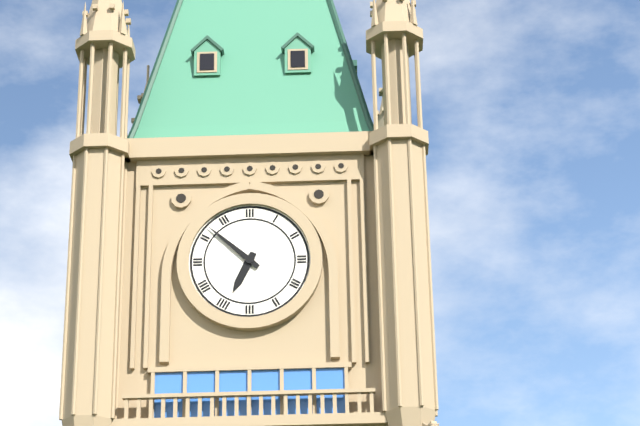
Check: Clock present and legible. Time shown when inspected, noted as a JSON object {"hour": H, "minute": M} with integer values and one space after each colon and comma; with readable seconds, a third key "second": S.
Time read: {"hour": 6, "minute": 52}
